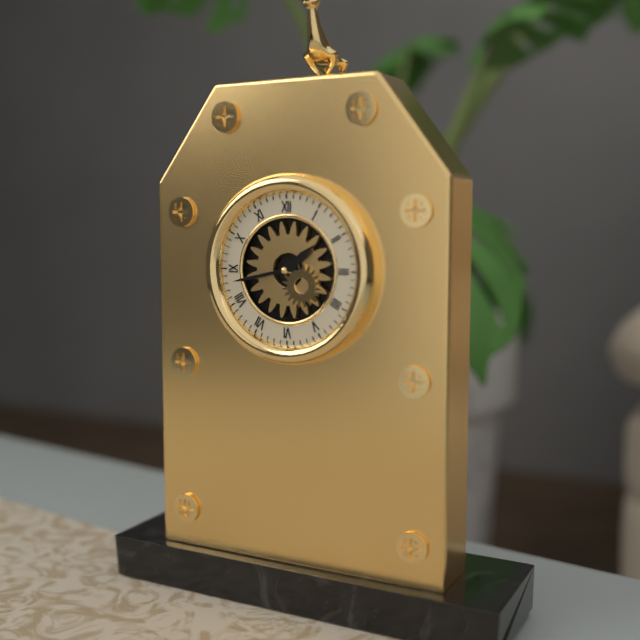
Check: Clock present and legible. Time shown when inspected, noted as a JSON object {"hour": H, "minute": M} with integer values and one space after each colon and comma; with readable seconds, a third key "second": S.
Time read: {"hour": 1, "minute": 43}
